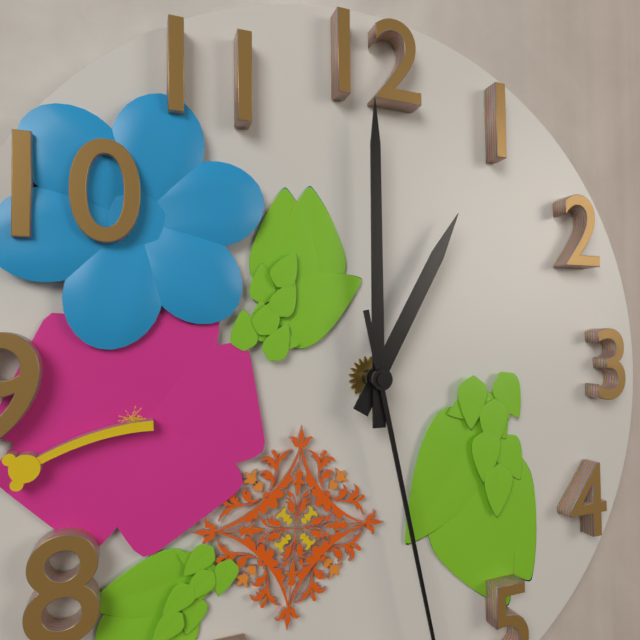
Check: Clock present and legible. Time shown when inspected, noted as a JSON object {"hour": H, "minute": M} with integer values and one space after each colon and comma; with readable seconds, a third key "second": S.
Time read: {"hour": 1, "minute": 0}
